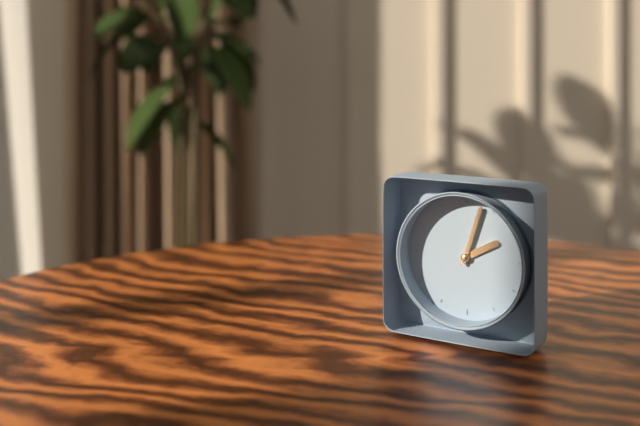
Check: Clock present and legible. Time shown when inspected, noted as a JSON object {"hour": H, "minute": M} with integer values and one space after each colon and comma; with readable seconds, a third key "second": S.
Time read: {"hour": 2, "minute": 3}
